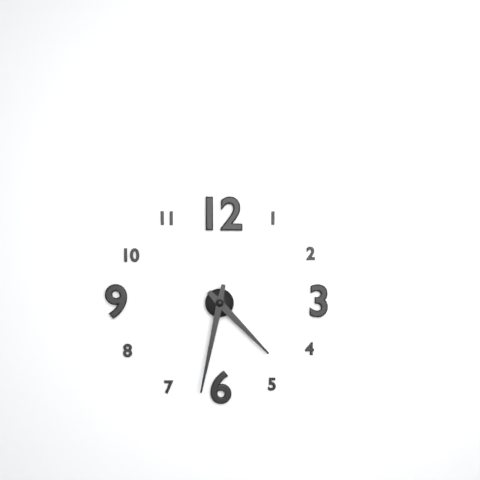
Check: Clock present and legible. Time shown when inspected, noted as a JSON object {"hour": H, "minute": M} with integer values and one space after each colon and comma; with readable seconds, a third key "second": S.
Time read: {"hour": 4, "minute": 32}
